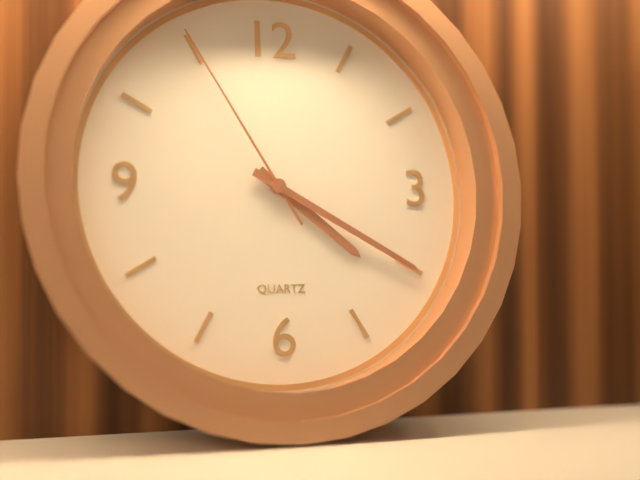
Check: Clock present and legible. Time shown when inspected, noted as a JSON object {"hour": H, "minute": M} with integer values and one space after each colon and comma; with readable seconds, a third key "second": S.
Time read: {"hour": 4, "minute": 20, "second": 55}
